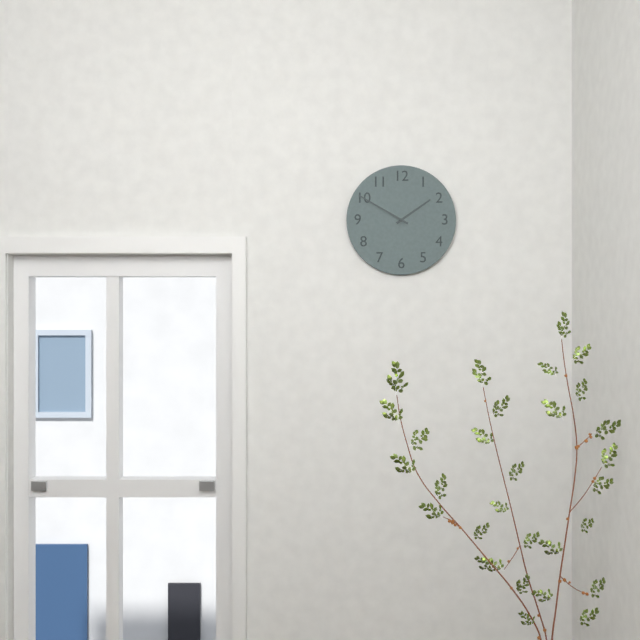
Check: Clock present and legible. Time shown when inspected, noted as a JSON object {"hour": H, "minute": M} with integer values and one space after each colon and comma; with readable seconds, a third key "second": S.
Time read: {"hour": 1, "minute": 50}
